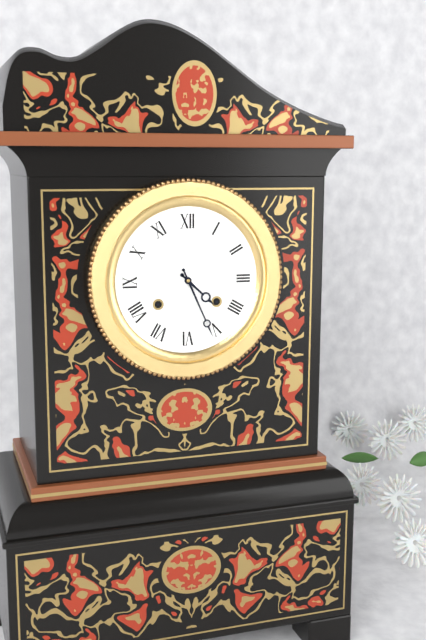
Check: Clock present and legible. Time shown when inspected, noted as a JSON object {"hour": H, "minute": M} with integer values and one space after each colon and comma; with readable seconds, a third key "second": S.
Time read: {"hour": 4, "minute": 26}
